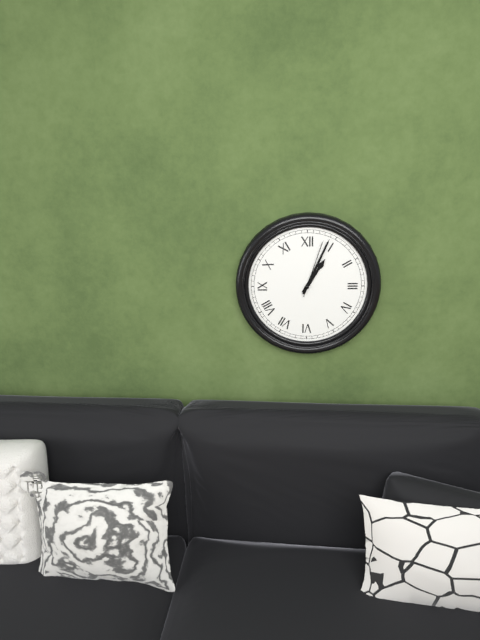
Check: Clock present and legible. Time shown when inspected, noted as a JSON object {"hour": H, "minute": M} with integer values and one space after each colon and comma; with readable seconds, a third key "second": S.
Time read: {"hour": 1, "minute": 4, "second": 3}
